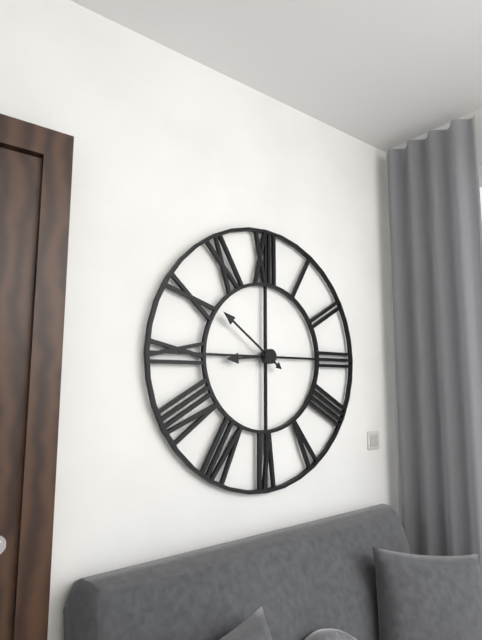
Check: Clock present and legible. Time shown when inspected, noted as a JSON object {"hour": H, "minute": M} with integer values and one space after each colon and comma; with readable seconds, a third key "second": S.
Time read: {"hour": 8, "minute": 51}
